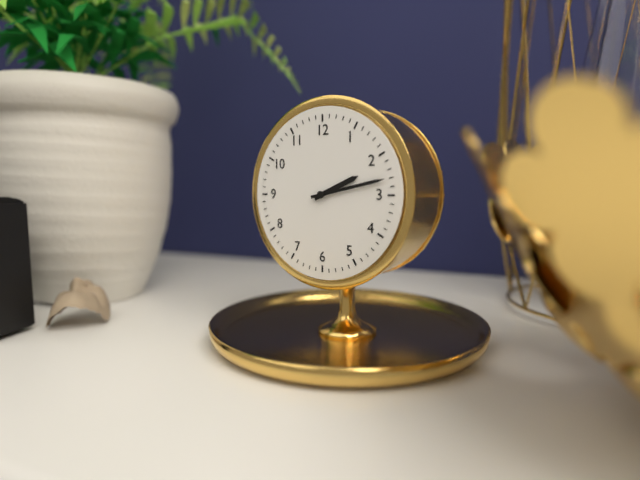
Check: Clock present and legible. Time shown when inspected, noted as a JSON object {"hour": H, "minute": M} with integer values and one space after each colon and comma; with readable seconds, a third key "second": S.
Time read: {"hour": 2, "minute": 13}
